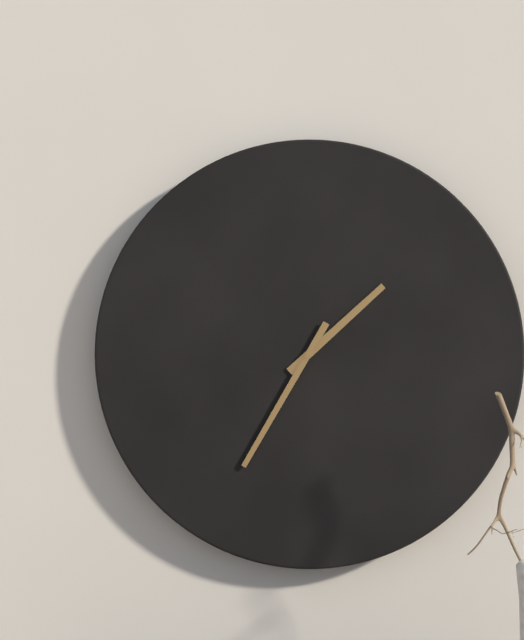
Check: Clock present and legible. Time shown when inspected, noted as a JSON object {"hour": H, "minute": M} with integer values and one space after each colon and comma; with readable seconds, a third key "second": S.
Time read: {"hour": 1, "minute": 35}
